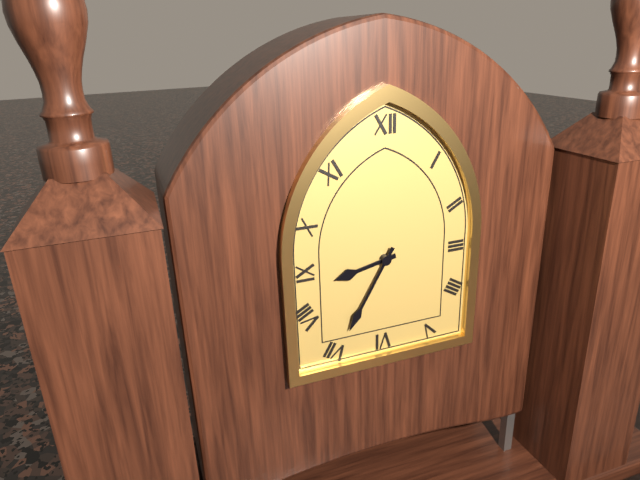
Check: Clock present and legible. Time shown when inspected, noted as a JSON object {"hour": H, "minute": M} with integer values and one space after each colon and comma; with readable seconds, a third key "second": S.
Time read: {"hour": 8, "minute": 35}
